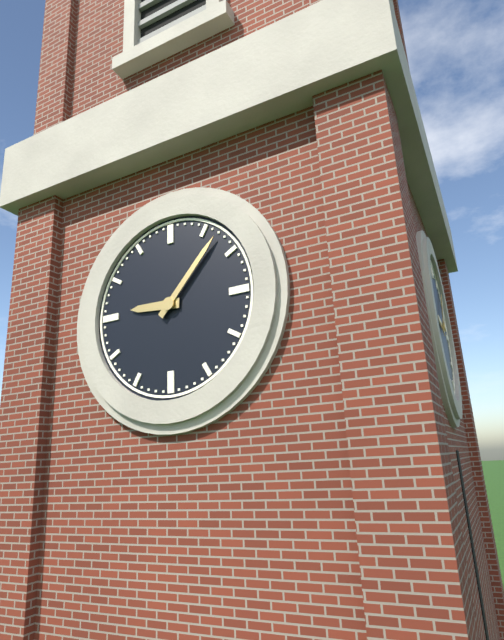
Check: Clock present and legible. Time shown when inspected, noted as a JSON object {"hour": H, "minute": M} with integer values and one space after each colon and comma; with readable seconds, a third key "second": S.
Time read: {"hour": 9, "minute": 7}
